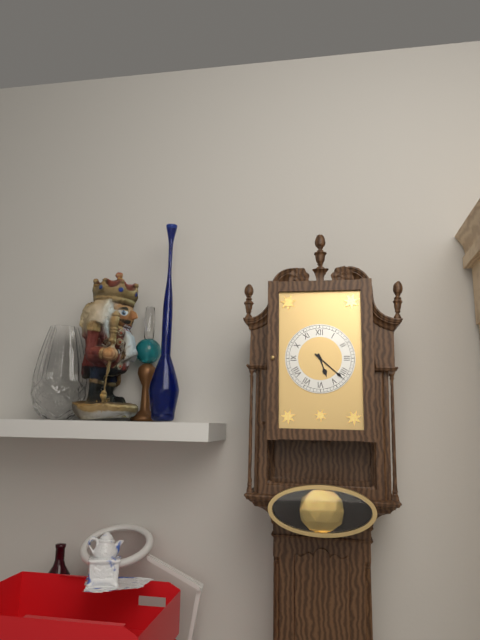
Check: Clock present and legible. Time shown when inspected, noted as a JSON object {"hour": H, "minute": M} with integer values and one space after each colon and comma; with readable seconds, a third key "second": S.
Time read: {"hour": 5, "minute": 22}
